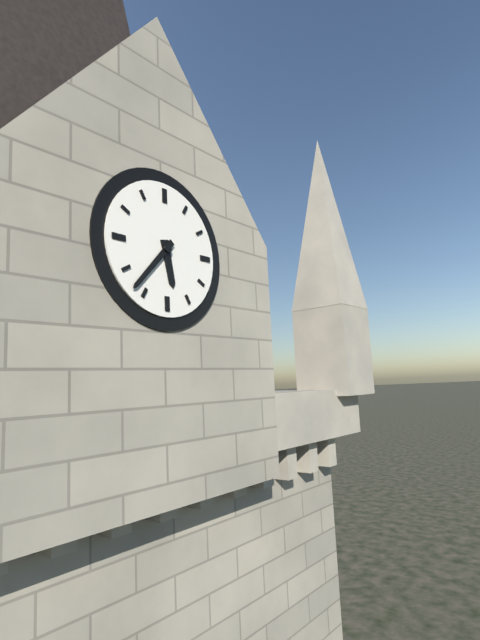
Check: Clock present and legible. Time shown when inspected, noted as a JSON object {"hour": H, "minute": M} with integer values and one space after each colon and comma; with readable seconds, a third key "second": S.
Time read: {"hour": 5, "minute": 37}
